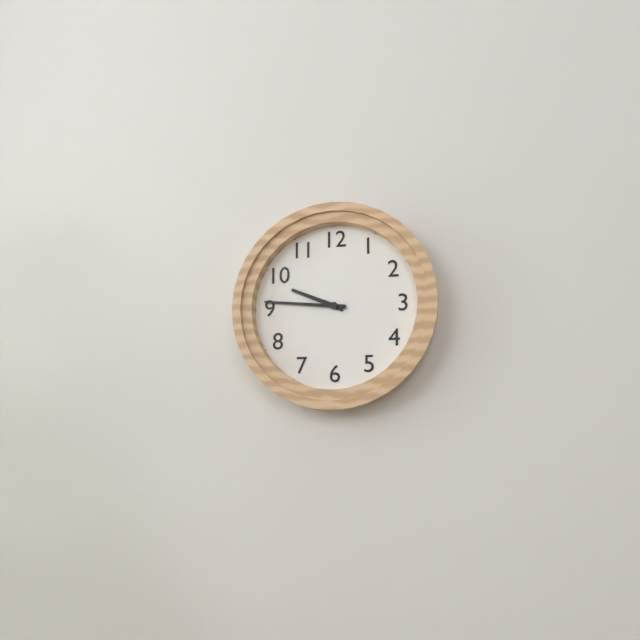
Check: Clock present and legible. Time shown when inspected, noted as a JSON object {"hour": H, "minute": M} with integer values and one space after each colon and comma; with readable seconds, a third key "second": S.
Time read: {"hour": 9, "minute": 46}
